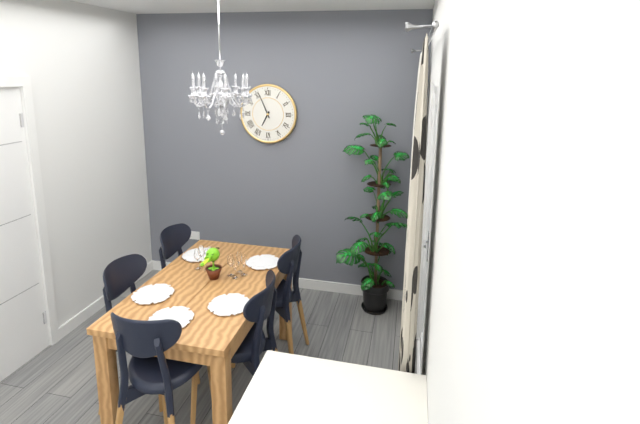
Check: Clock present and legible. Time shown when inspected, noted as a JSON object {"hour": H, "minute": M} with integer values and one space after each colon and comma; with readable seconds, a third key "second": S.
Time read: {"hour": 6, "minute": 56}
